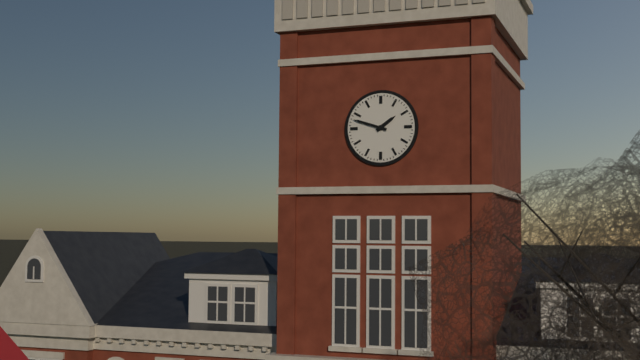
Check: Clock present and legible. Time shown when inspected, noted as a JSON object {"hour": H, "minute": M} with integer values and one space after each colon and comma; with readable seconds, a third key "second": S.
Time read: {"hour": 1, "minute": 48}
